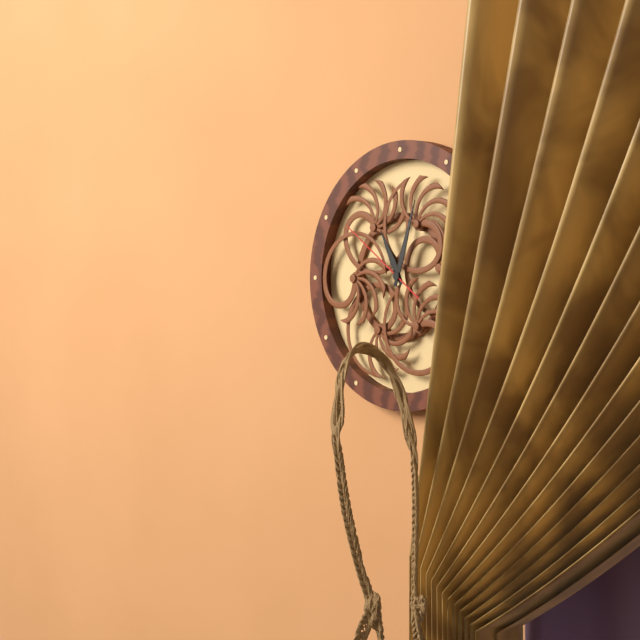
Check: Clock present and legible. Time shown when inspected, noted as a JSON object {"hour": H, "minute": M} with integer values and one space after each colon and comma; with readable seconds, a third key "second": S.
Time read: {"hour": 11, "minute": 3, "second": 51}
